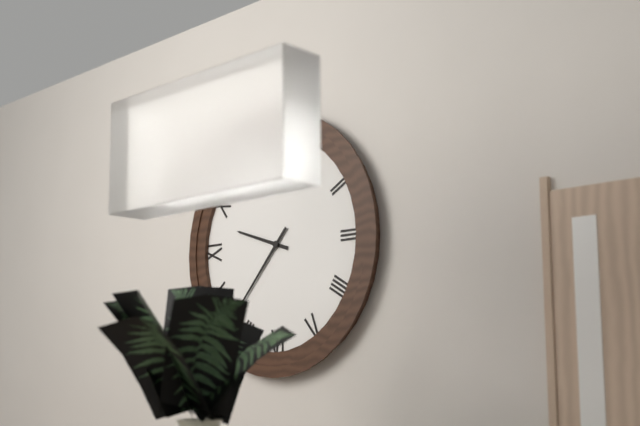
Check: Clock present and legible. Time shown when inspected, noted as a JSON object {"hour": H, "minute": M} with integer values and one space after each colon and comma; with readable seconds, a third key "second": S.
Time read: {"hour": 9, "minute": 37}
